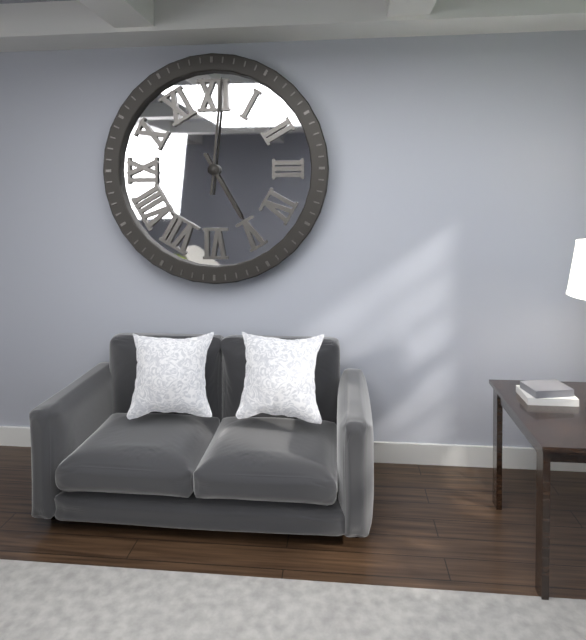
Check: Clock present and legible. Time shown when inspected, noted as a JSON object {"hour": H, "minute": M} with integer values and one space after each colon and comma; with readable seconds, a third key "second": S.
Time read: {"hour": 5, "minute": 1}
